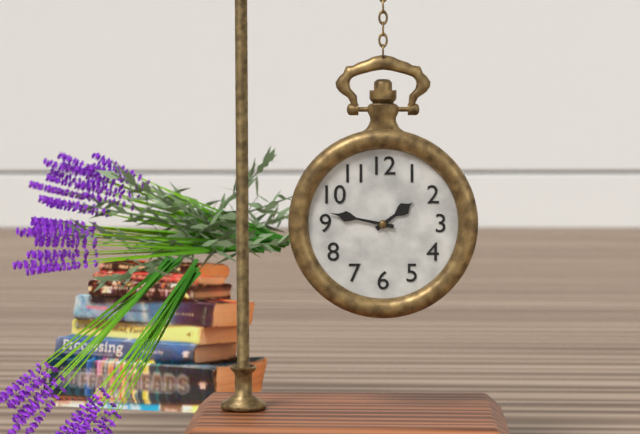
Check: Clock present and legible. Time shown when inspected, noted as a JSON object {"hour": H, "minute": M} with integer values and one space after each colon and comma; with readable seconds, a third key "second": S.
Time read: {"hour": 1, "minute": 47}
